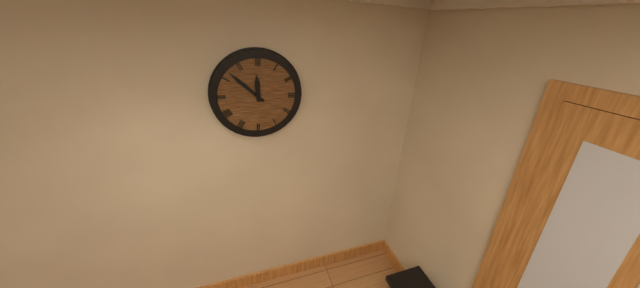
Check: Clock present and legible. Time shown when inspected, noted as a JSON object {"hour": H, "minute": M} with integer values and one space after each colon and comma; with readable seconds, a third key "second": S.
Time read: {"hour": 11, "minute": 52}
